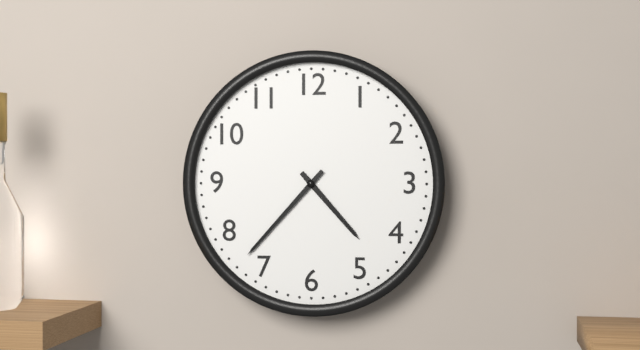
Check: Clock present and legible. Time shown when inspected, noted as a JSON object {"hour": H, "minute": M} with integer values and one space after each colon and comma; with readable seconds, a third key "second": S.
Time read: {"hour": 4, "minute": 37}
